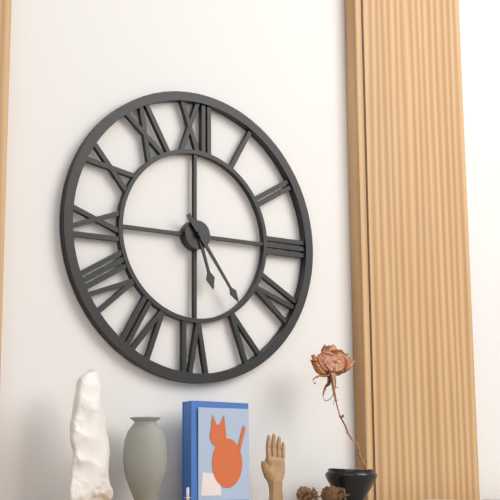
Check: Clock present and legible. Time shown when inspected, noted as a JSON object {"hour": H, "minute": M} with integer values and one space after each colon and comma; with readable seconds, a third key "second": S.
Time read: {"hour": 5, "minute": 24}
